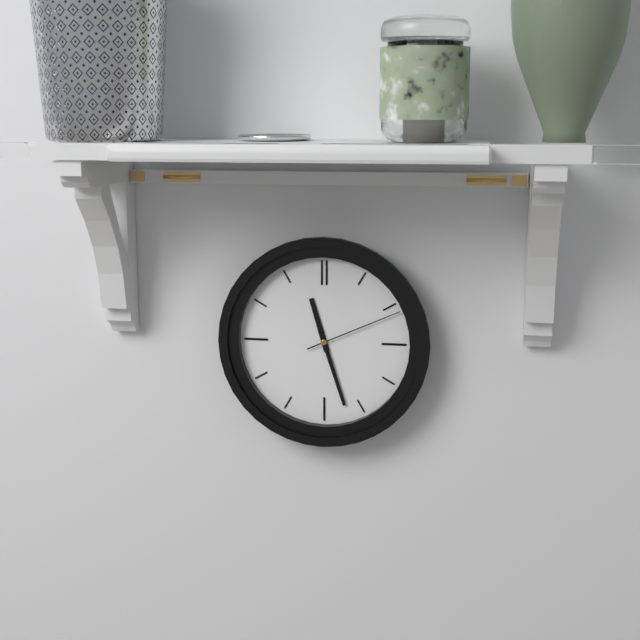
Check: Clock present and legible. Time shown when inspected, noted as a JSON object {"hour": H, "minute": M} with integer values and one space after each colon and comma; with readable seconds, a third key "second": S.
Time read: {"hour": 11, "minute": 27, "second": 11}
